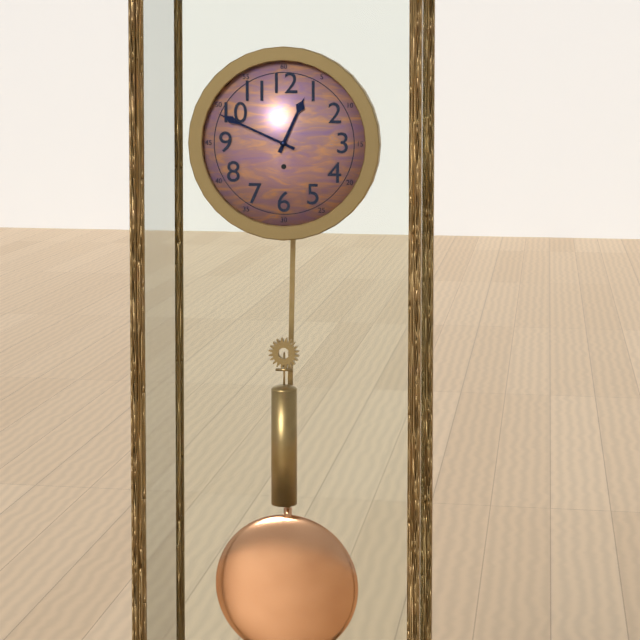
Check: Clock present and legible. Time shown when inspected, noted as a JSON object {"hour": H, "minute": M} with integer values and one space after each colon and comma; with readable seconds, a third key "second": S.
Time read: {"hour": 12, "minute": 49}
